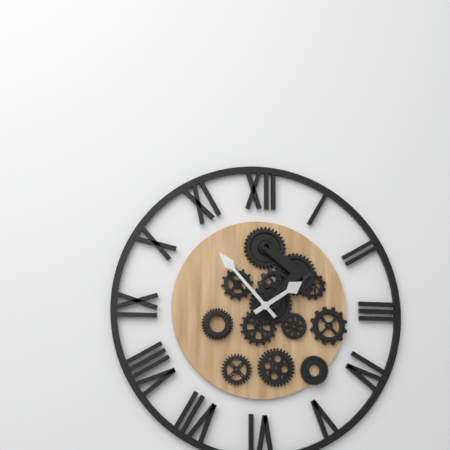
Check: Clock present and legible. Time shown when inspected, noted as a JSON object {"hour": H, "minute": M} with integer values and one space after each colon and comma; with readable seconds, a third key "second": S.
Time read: {"hour": 1, "minute": 53}
